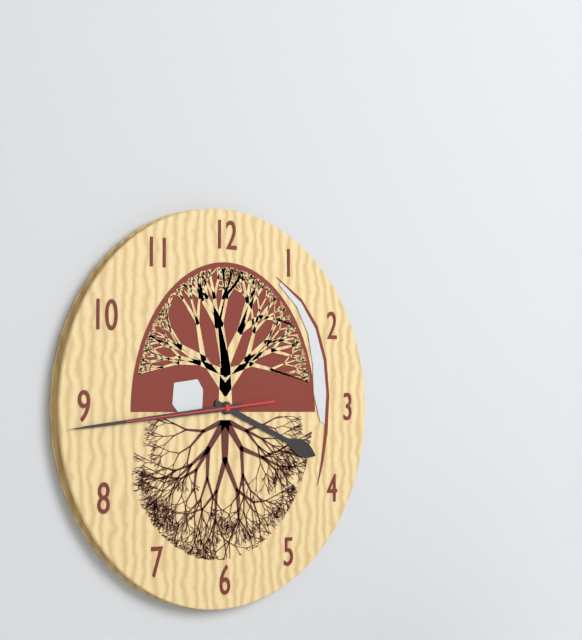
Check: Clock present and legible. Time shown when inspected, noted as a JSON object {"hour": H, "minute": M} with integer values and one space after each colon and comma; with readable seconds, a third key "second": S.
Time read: {"hour": 3, "minute": 44, "second": 44}
